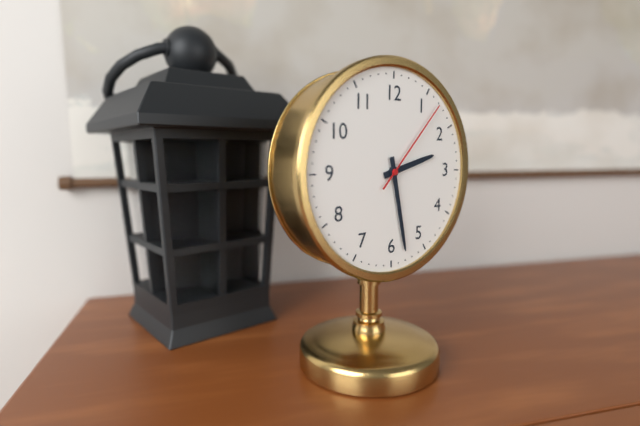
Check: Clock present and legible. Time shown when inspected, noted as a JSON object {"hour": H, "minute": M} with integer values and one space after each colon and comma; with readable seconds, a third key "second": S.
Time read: {"hour": 2, "minute": 28, "second": 7}
